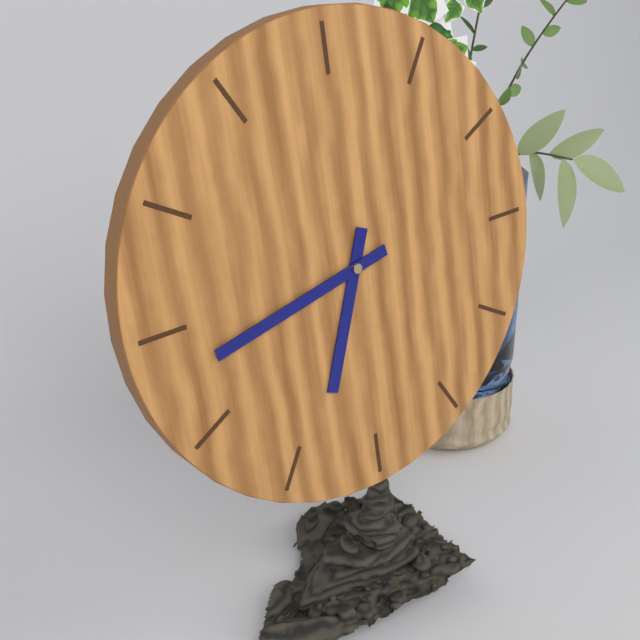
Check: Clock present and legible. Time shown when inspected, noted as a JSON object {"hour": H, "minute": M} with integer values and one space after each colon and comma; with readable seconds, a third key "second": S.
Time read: {"hour": 6, "minute": 43}
